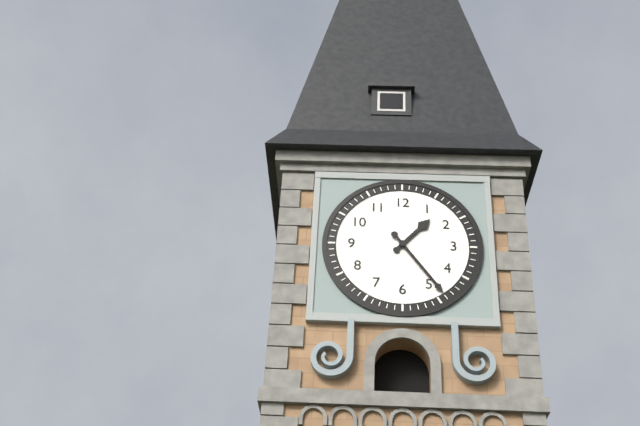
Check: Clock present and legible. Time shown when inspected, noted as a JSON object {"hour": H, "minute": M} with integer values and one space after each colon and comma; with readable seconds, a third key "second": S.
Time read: {"hour": 1, "minute": 24}
